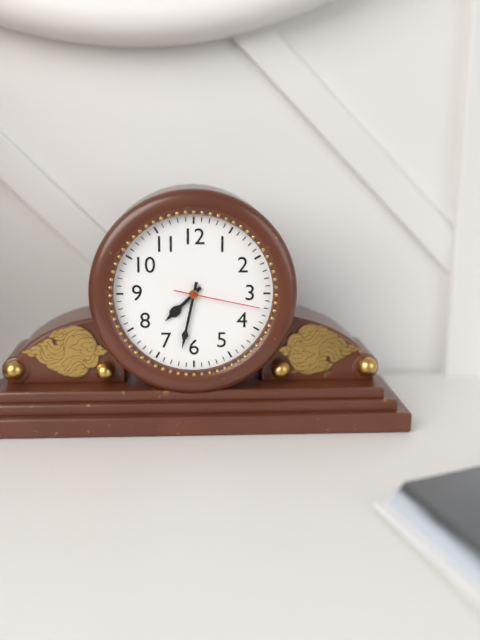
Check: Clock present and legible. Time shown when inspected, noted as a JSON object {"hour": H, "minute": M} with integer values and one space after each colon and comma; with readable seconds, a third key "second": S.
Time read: {"hour": 7, "minute": 32, "second": 17}
